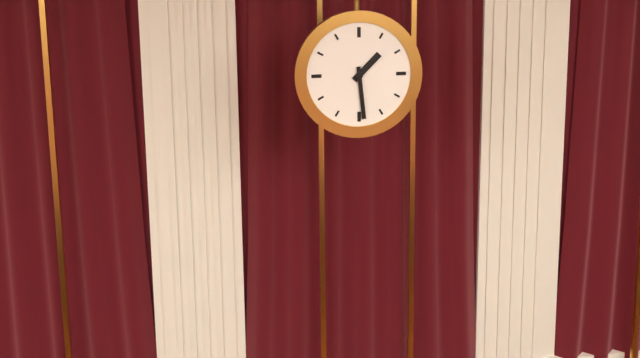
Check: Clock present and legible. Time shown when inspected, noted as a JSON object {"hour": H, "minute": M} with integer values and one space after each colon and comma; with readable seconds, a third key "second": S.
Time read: {"hour": 1, "minute": 29}
